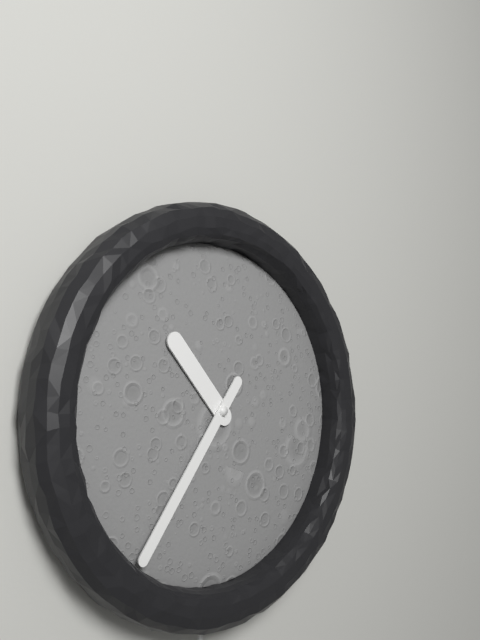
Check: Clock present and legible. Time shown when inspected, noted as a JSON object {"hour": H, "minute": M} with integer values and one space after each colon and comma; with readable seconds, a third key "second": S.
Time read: {"hour": 10, "minute": 36}
